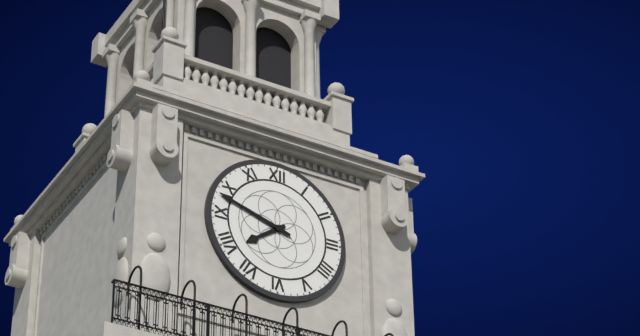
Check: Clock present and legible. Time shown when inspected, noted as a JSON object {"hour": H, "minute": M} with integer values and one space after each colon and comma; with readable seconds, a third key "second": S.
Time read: {"hour": 7, "minute": 48}
